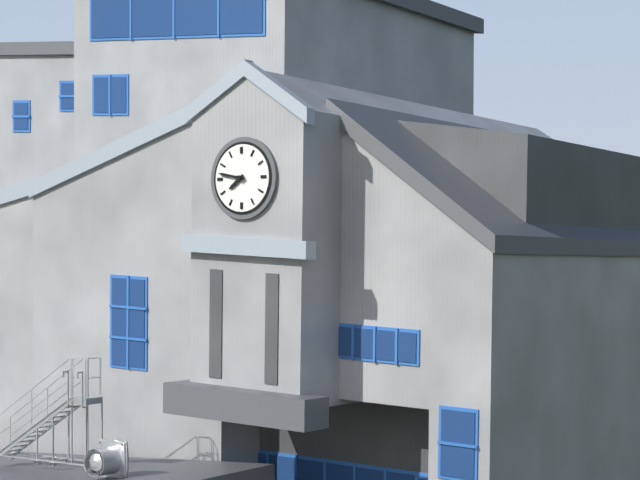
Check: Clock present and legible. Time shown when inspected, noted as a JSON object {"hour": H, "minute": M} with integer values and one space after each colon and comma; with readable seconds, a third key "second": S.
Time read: {"hour": 7, "minute": 47}
